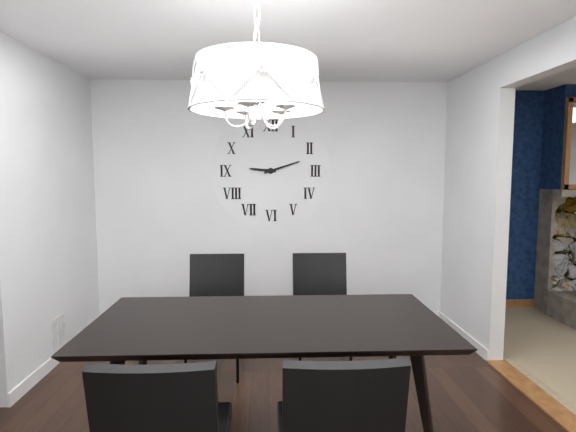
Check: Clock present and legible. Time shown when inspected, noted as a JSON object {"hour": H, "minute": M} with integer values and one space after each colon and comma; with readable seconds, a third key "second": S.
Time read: {"hour": 9, "minute": 12}
